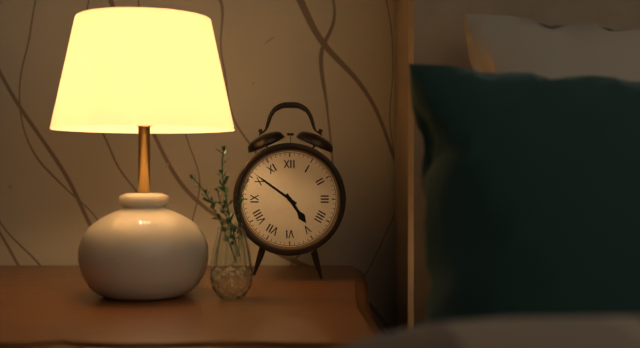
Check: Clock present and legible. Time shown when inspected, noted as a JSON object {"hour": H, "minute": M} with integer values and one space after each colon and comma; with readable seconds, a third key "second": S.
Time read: {"hour": 4, "minute": 51}
